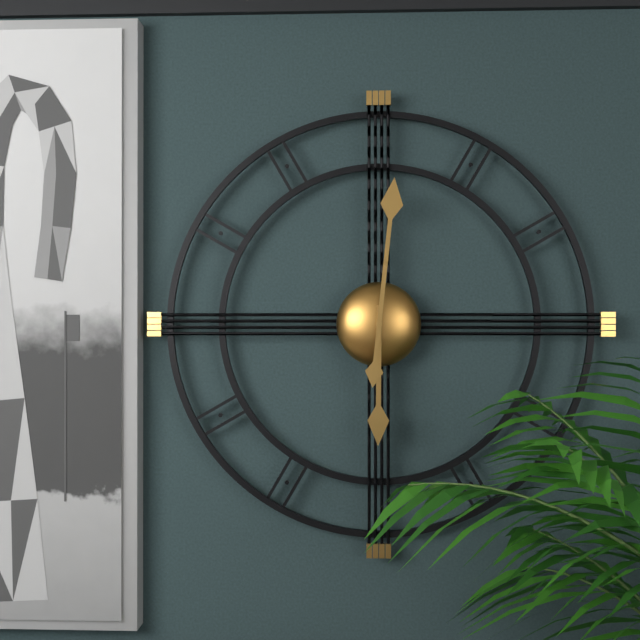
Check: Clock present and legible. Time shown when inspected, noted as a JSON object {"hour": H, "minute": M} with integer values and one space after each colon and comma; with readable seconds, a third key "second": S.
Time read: {"hour": 6, "minute": 1}
